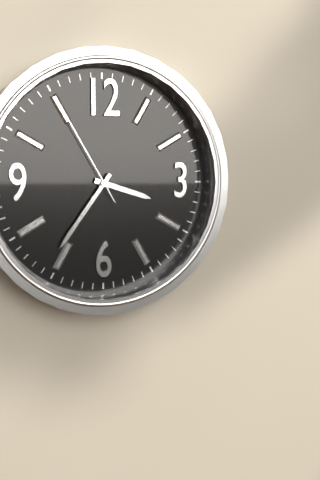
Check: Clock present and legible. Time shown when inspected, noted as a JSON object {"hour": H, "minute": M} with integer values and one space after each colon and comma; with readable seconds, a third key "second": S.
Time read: {"hour": 3, "minute": 36, "second": 55}
